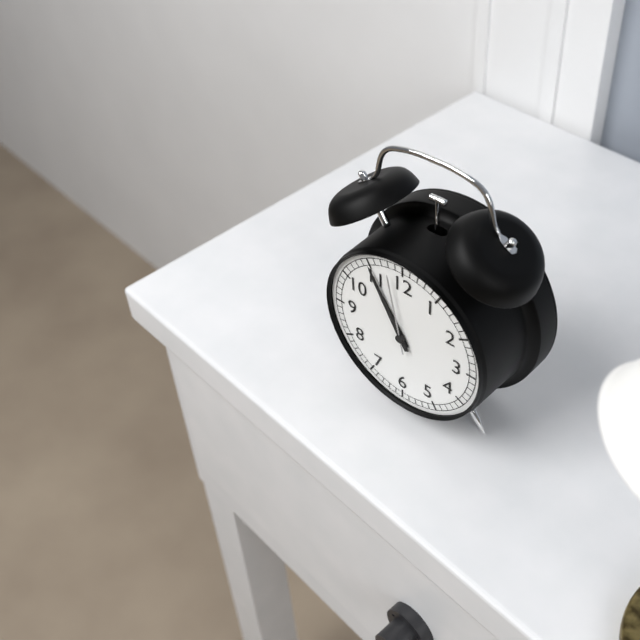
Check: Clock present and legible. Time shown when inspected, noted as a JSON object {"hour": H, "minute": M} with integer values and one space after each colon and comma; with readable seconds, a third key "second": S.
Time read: {"hour": 10, "minute": 55, "second": 58}
